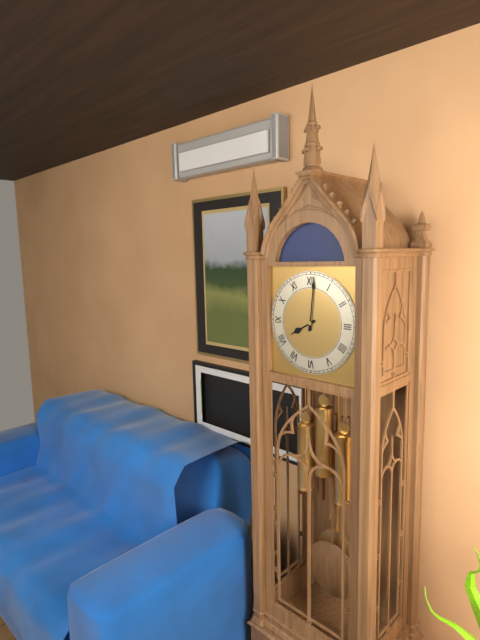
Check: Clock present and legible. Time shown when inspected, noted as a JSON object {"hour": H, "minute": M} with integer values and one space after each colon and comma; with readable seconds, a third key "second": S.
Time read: {"hour": 8, "minute": 1}
